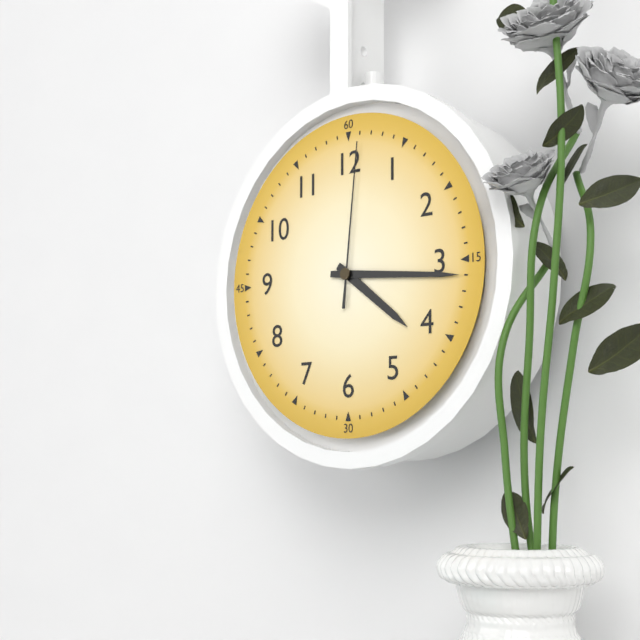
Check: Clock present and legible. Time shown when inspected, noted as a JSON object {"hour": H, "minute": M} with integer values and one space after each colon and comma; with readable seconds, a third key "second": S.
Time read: {"hour": 4, "minute": 16, "second": 1}
